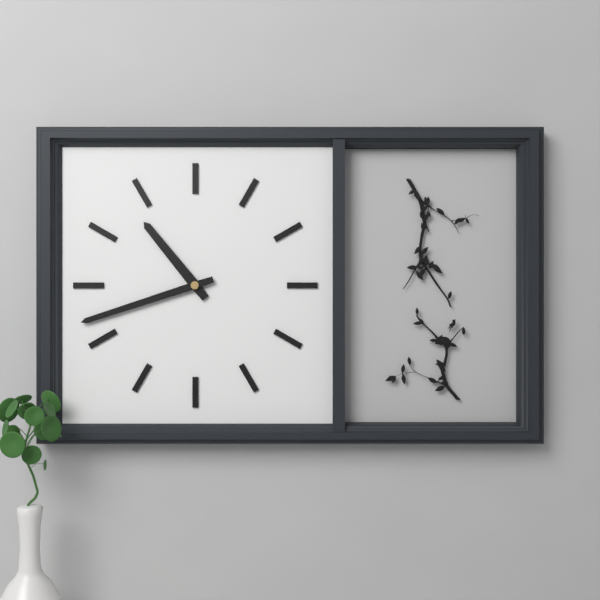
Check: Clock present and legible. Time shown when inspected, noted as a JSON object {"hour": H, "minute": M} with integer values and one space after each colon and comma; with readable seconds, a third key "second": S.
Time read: {"hour": 10, "minute": 42}
